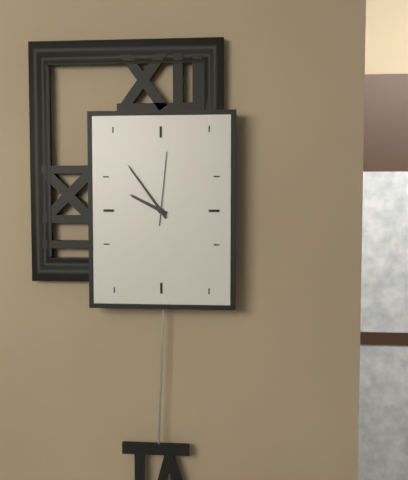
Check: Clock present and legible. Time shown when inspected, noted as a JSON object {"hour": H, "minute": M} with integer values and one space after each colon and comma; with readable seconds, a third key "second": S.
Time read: {"hour": 9, "minute": 54, "second": 1}
